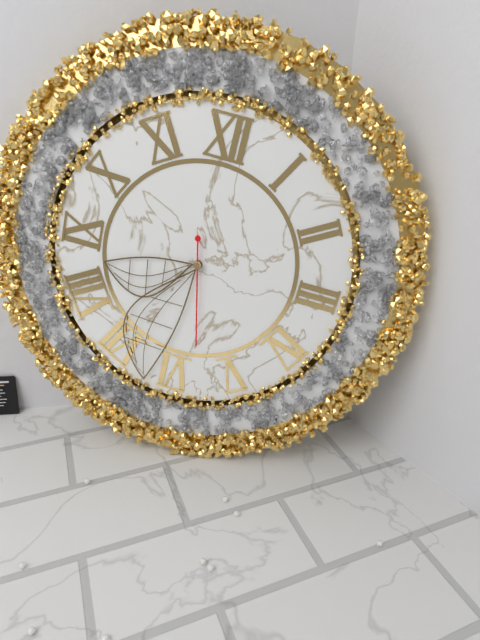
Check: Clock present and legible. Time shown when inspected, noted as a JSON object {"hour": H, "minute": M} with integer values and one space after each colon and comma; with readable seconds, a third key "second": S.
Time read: {"hour": 8, "minute": 32, "second": 28}
